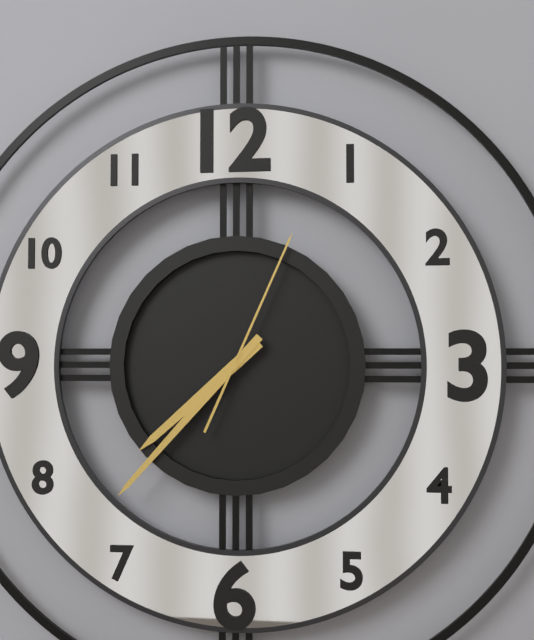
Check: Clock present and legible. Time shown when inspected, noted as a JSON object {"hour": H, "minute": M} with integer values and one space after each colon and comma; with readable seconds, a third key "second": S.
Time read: {"hour": 7, "minute": 37, "second": 4}
